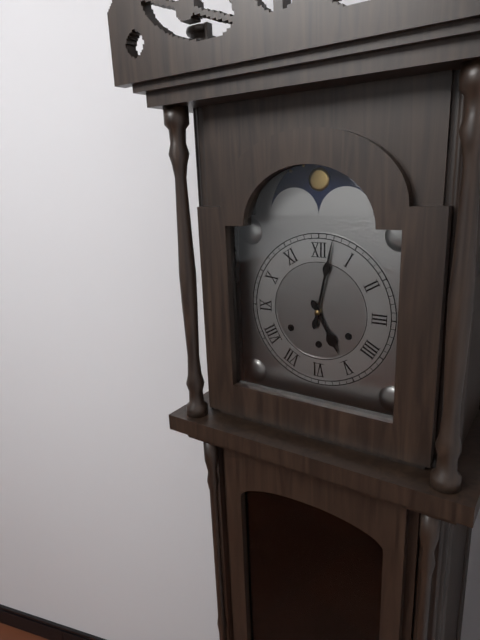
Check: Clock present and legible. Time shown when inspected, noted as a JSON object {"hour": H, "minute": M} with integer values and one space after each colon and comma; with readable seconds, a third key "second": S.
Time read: {"hour": 5, "minute": 2}
